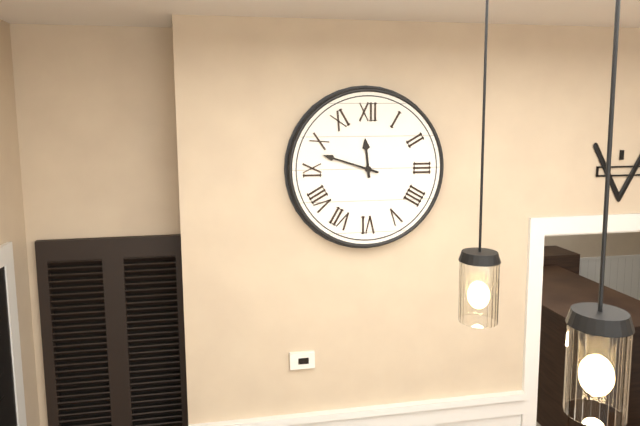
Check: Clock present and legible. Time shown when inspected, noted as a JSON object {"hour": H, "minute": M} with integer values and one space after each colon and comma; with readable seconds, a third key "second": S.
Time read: {"hour": 11, "minute": 48}
